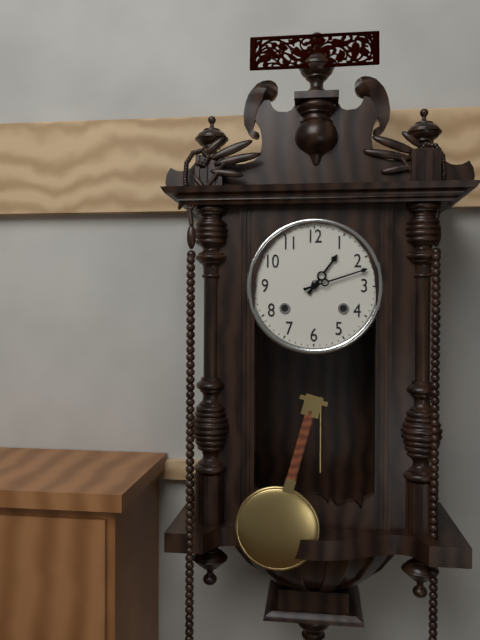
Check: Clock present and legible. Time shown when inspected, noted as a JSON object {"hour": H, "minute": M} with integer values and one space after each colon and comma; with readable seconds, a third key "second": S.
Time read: {"hour": 1, "minute": 12}
